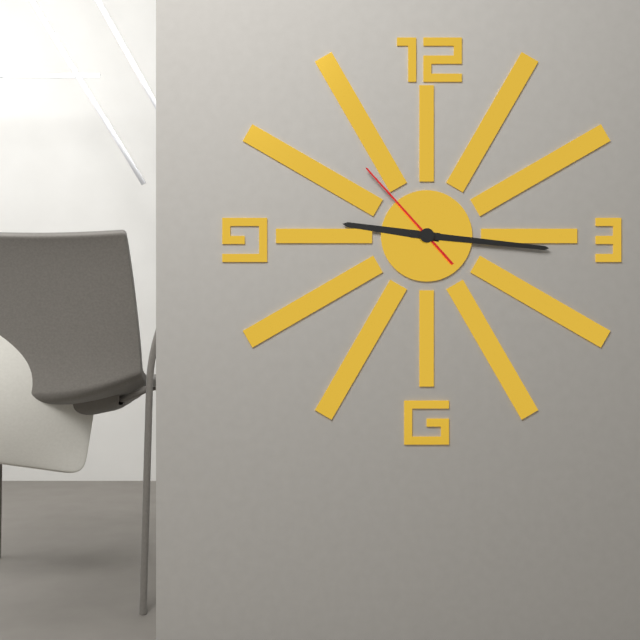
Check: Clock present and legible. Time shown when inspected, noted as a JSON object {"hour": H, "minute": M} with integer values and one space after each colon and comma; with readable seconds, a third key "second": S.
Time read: {"hour": 9, "minute": 16, "second": 53}
